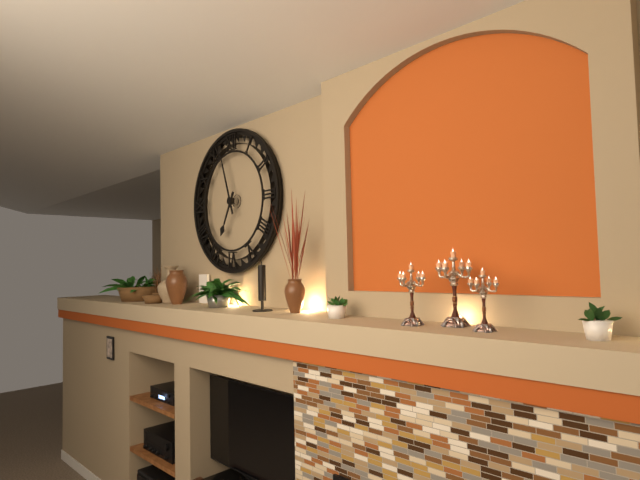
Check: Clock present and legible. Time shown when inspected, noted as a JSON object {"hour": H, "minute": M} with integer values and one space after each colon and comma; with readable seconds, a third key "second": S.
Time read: {"hour": 6, "minute": 57}
